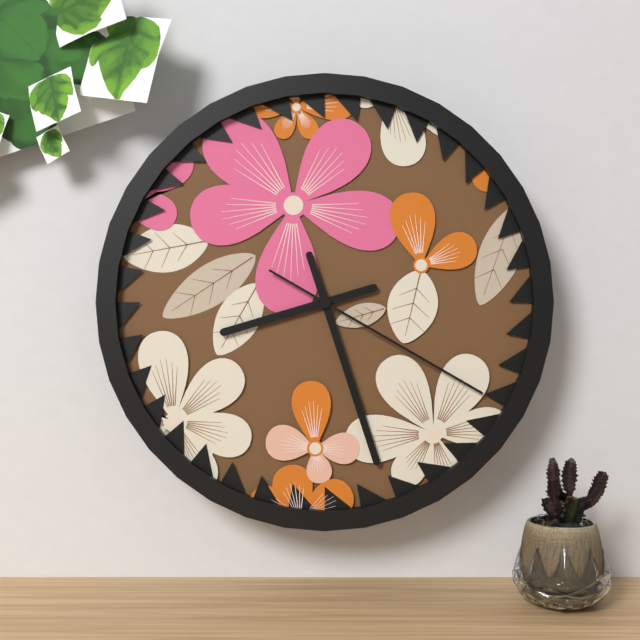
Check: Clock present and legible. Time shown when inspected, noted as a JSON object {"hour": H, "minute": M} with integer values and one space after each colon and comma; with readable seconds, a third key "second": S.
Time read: {"hour": 8, "minute": 27, "second": 20}
